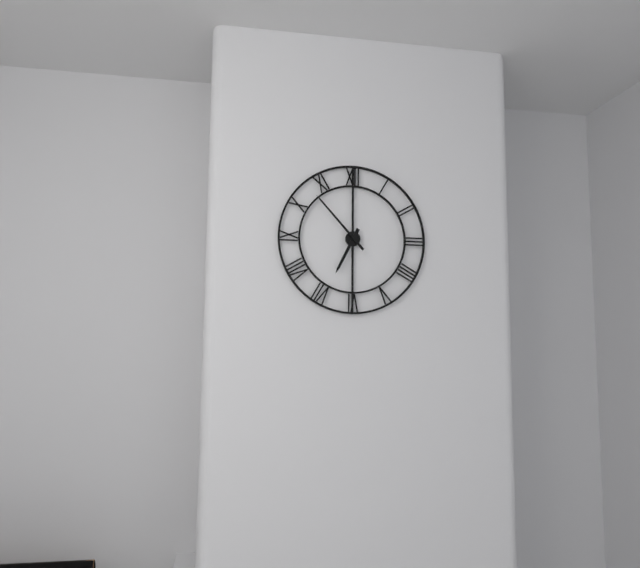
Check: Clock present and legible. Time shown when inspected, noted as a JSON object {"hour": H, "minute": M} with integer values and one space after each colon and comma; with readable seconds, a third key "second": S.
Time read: {"hour": 6, "minute": 53}
